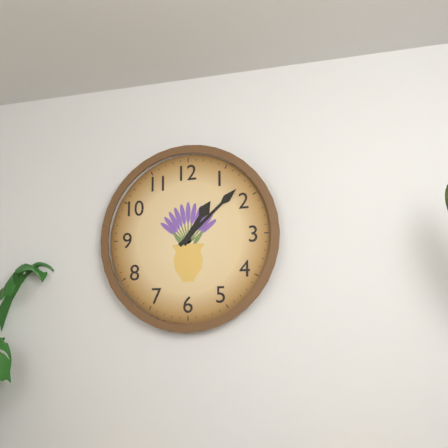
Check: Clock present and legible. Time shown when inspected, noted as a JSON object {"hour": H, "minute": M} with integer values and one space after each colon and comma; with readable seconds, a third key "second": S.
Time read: {"hour": 1, "minute": 8}
